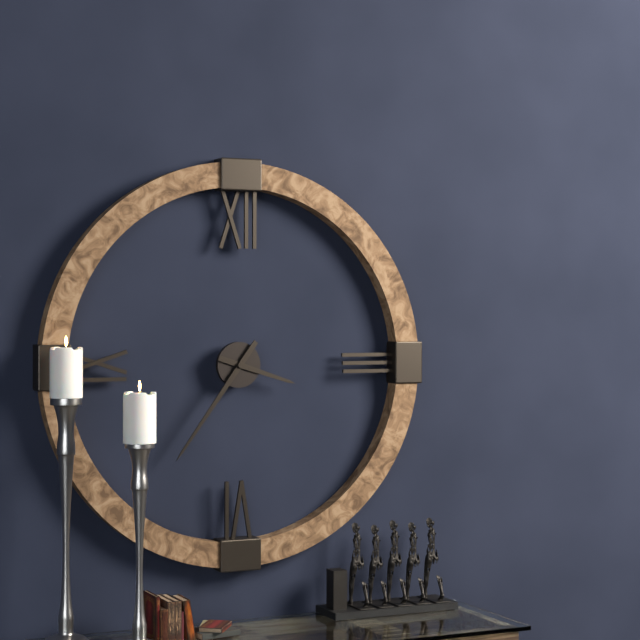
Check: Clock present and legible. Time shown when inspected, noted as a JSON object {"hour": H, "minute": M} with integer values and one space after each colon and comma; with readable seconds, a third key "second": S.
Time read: {"hour": 3, "minute": 36}
